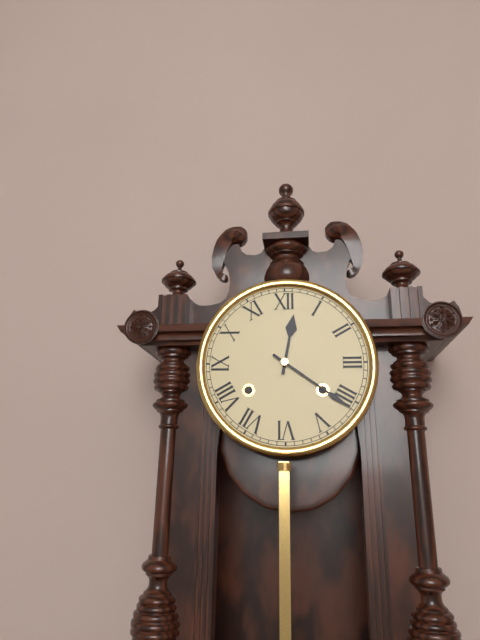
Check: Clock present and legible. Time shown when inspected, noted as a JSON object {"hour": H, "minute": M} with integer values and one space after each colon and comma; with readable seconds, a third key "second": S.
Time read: {"hour": 12, "minute": 21}
